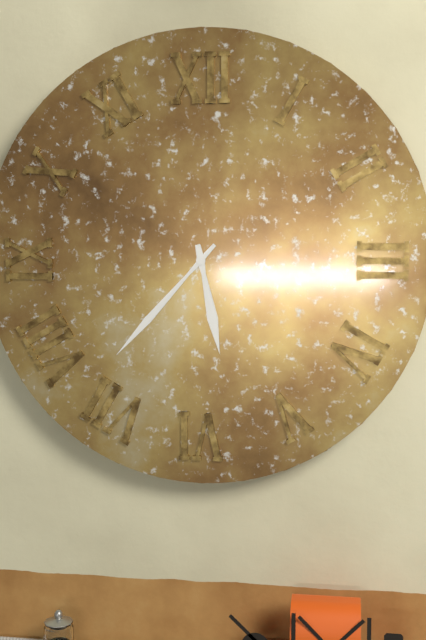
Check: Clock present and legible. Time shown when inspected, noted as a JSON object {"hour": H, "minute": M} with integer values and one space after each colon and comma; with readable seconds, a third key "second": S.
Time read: {"hour": 5, "minute": 37}
